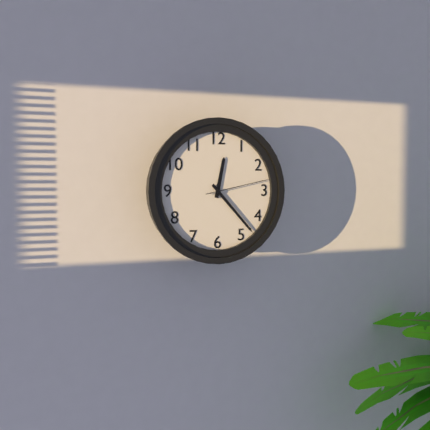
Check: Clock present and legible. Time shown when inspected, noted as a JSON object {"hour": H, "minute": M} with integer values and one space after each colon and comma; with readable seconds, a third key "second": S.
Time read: {"hour": 12, "minute": 23, "second": 13}
